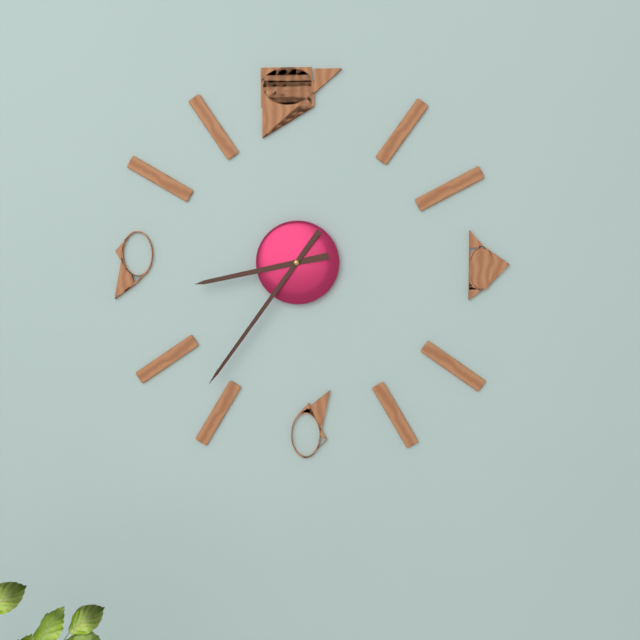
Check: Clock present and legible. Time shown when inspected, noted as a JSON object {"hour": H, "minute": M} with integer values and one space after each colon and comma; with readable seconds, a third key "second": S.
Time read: {"hour": 8, "minute": 36}
